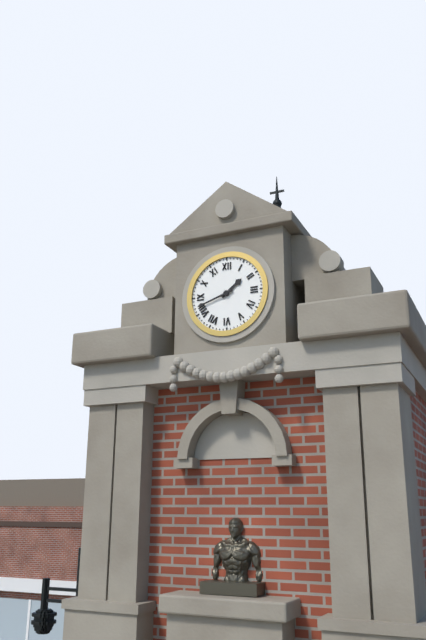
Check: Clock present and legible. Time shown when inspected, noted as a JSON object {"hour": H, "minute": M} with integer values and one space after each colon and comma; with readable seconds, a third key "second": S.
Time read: {"hour": 1, "minute": 42}
